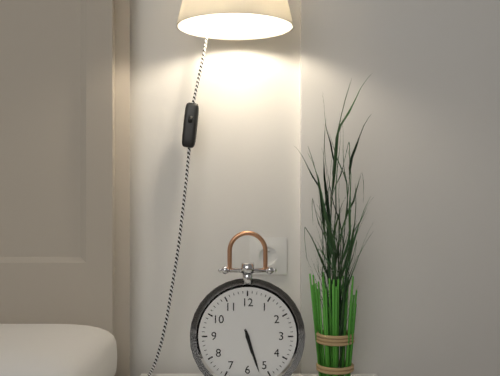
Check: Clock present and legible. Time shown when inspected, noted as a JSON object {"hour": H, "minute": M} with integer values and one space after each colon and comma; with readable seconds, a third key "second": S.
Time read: {"hour": 5, "minute": 27}
